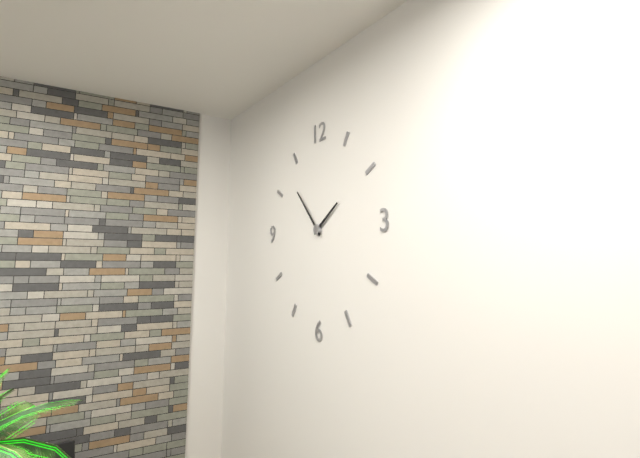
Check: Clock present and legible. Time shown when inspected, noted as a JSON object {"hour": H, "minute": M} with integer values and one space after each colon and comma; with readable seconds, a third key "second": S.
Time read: {"hour": 1, "minute": 53}
